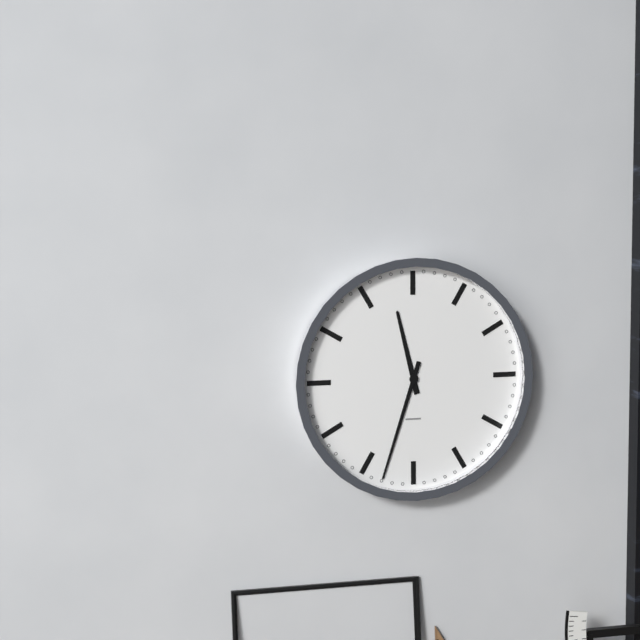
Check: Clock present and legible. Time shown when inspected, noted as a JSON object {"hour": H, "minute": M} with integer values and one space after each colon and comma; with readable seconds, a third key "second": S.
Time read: {"hour": 11, "minute": 33}
